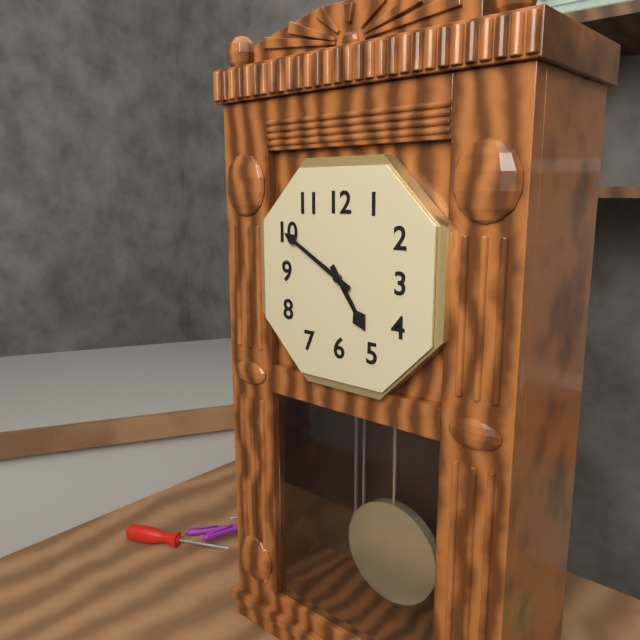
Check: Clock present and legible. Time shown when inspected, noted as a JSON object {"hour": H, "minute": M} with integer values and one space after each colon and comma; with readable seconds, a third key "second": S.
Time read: {"hour": 4, "minute": 50}
